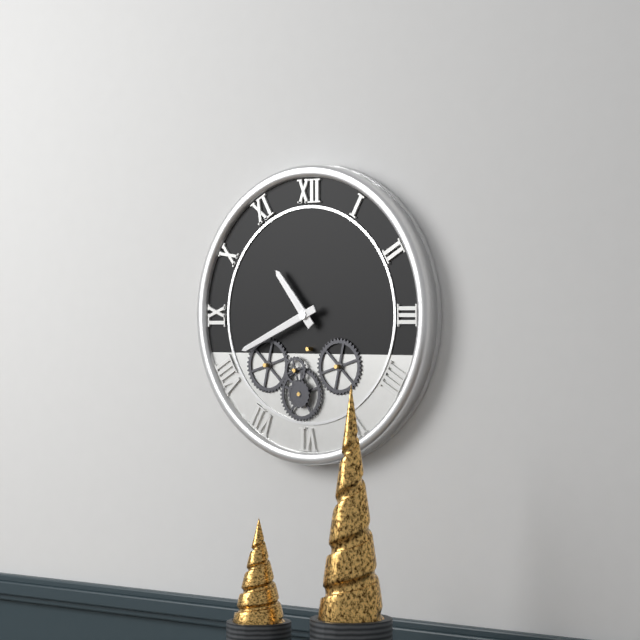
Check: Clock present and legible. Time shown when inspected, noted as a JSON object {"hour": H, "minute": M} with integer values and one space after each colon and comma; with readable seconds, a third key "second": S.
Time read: {"hour": 10, "minute": 41}
